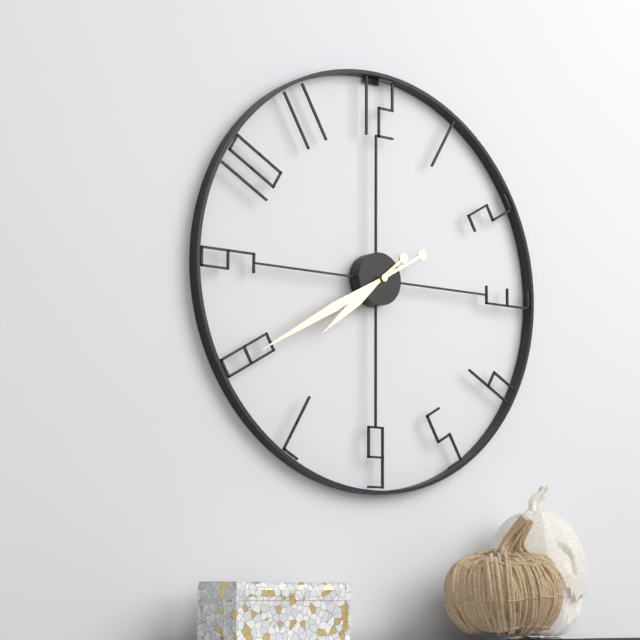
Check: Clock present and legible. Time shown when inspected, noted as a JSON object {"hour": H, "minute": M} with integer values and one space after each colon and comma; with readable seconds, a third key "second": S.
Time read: {"hour": 7, "minute": 40}
